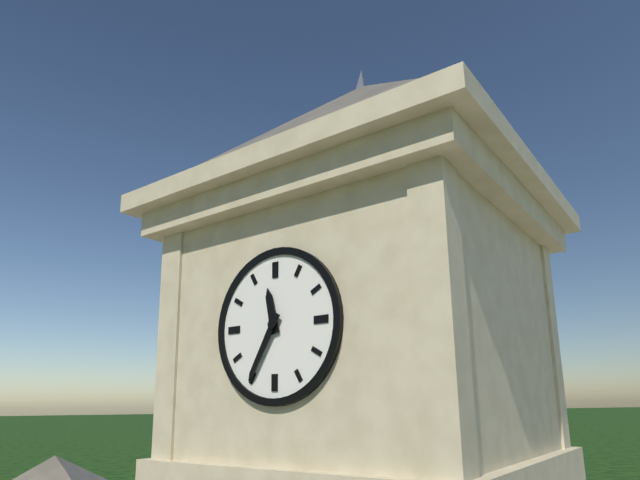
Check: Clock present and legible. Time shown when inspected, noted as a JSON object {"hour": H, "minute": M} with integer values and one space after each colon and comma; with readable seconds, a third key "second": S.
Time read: {"hour": 11, "minute": 35}
